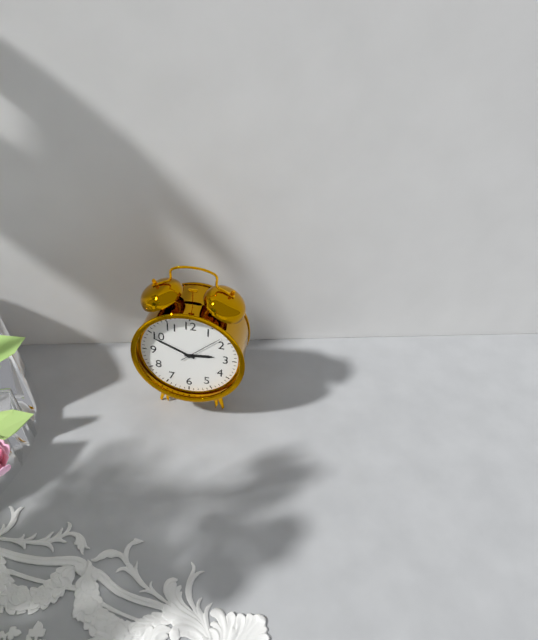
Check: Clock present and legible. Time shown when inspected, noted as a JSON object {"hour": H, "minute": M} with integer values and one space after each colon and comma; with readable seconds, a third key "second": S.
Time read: {"hour": 2, "minute": 49}
